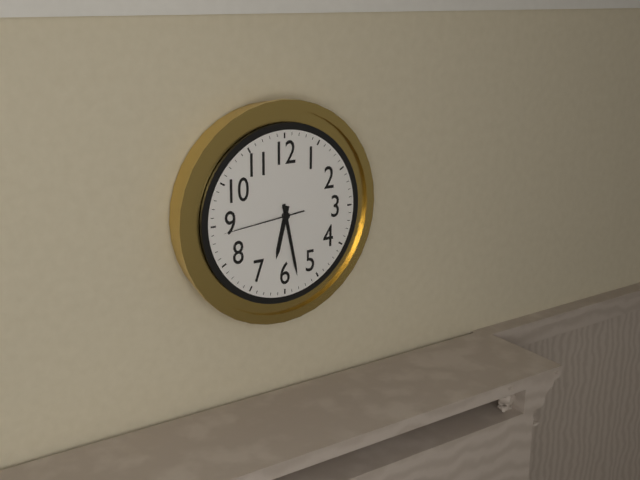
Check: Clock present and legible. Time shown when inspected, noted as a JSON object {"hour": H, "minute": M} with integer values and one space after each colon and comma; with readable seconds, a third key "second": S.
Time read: {"hour": 6, "minute": 28, "second": 44}
